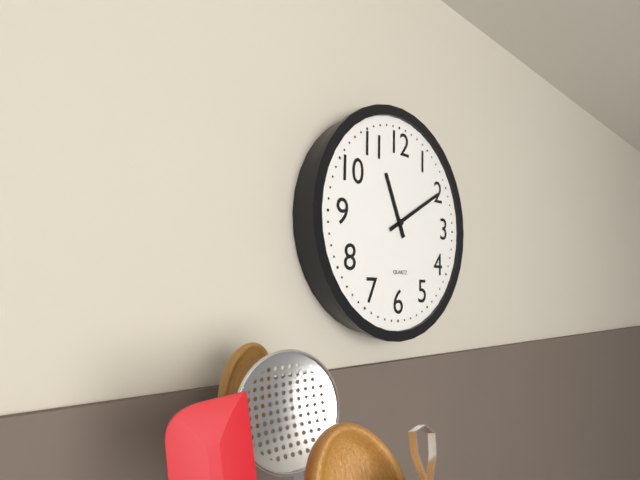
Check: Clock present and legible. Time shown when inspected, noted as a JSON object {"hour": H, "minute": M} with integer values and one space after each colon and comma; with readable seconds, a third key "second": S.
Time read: {"hour": 11, "minute": 10, "second": 10}
